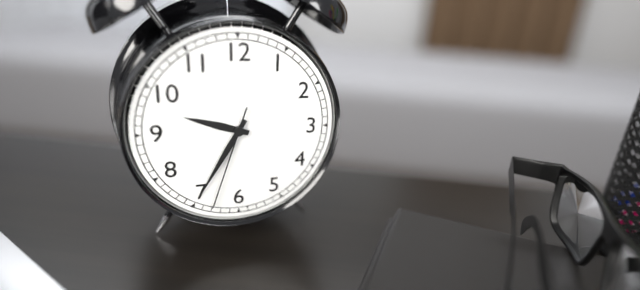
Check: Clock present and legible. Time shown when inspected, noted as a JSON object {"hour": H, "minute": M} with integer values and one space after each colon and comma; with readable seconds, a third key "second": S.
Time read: {"hour": 9, "minute": 35, "second": 33}
